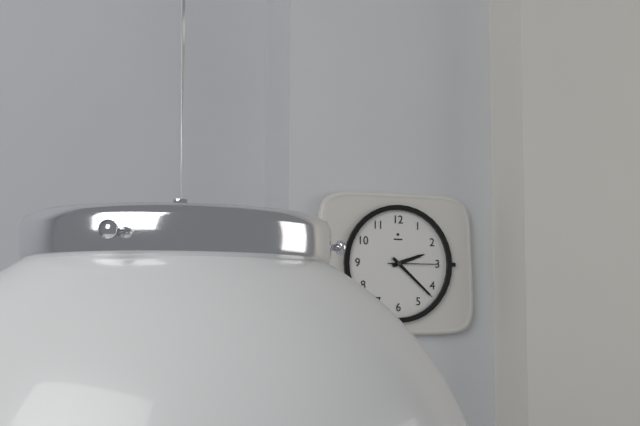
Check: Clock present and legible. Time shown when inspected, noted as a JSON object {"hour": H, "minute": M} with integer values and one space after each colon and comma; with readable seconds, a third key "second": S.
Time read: {"hour": 2, "minute": 22}
